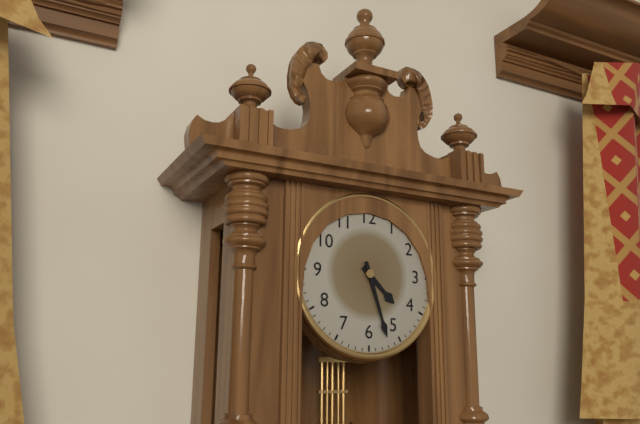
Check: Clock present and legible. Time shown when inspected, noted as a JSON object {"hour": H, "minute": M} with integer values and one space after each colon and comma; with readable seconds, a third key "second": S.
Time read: {"hour": 4, "minute": 27}
